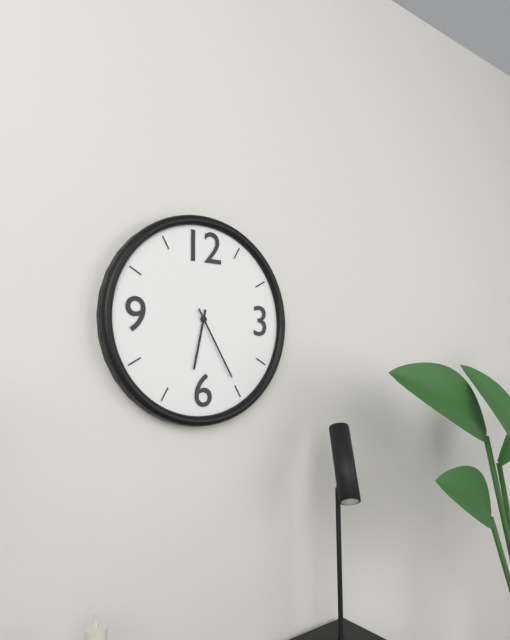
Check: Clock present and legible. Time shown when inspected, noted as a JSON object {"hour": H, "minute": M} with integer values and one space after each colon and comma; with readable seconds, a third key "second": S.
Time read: {"hour": 6, "minute": 25}
